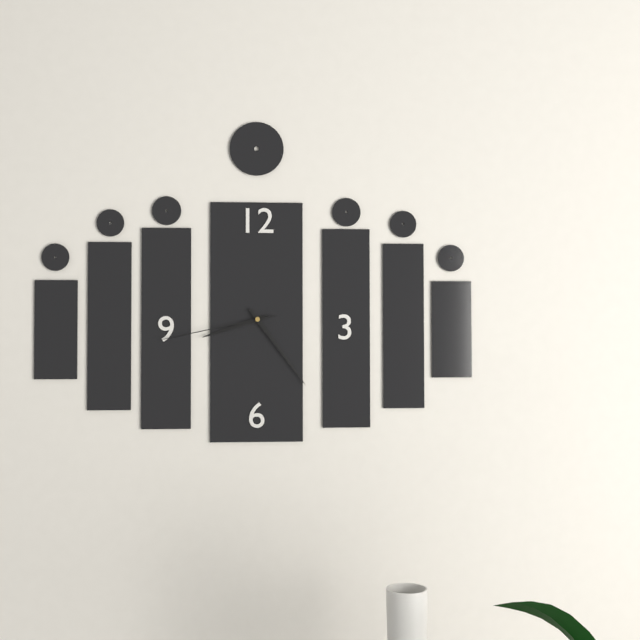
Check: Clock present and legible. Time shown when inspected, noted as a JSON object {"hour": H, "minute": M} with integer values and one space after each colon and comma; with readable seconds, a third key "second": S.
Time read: {"hour": 8, "minute": 24, "second": 43}
